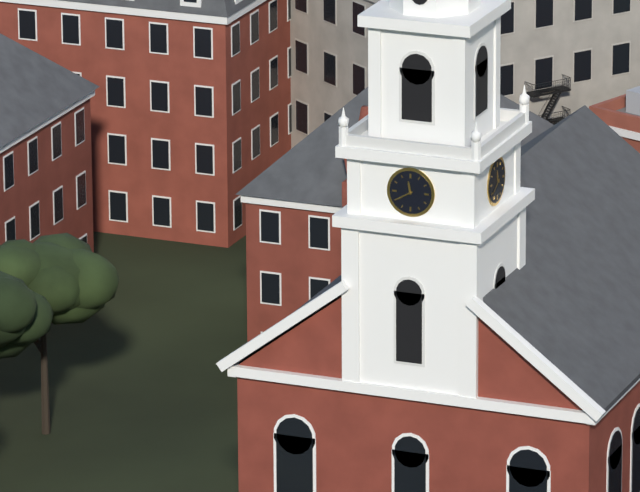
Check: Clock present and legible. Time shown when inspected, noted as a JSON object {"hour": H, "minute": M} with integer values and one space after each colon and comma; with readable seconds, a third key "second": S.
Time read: {"hour": 11, "minute": 40}
